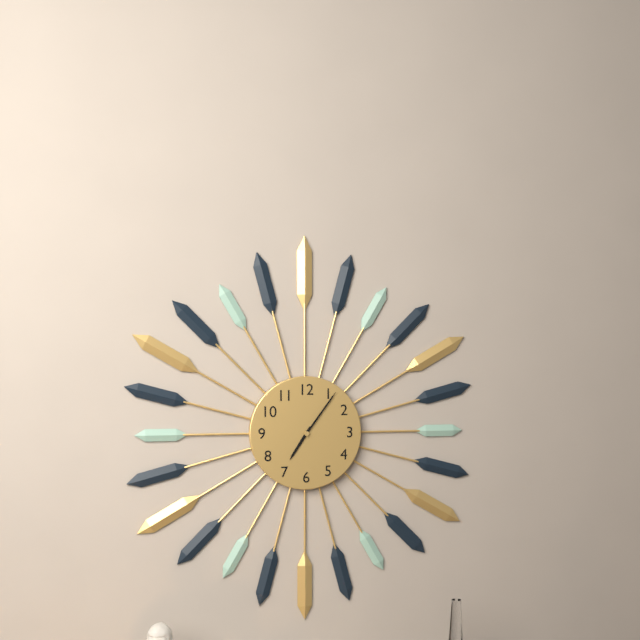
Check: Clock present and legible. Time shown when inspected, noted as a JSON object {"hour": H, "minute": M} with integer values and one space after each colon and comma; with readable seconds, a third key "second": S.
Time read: {"hour": 7, "minute": 6}
